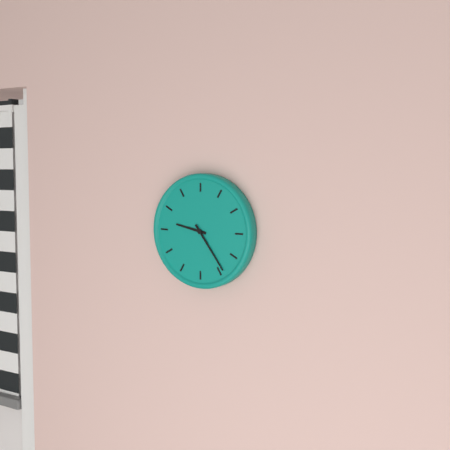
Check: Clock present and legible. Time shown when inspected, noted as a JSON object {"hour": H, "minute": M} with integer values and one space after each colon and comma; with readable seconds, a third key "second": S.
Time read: {"hour": 9, "minute": 24}
